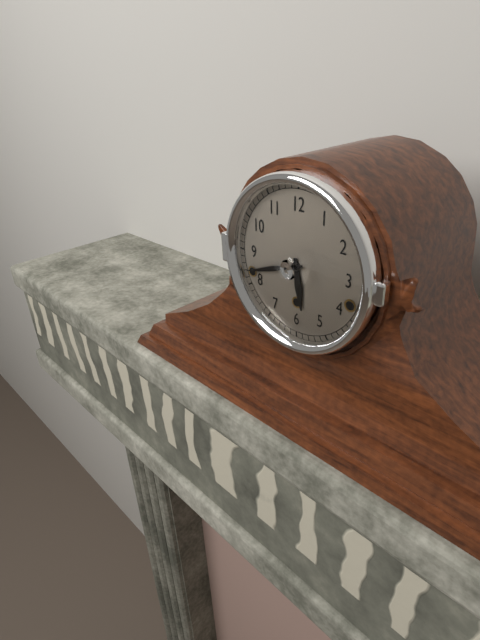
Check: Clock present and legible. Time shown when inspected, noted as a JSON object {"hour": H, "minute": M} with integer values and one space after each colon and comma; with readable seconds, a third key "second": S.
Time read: {"hour": 5, "minute": 42}
